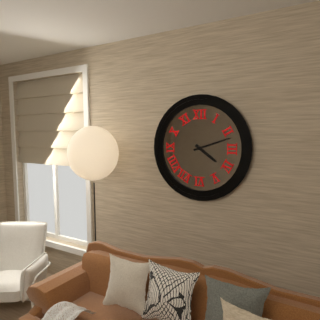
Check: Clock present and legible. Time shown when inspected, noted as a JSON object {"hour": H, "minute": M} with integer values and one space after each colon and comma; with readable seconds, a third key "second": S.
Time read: {"hour": 4, "minute": 12}
